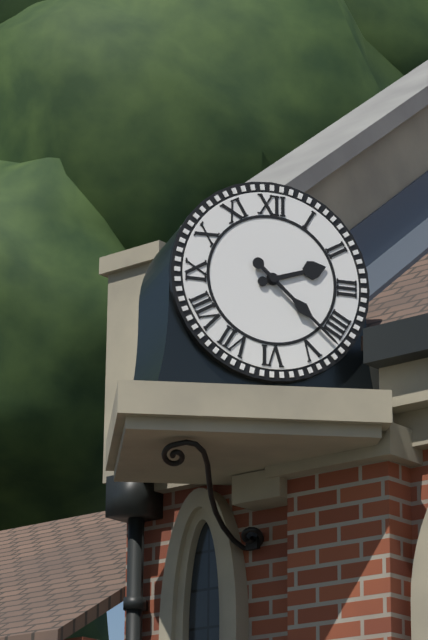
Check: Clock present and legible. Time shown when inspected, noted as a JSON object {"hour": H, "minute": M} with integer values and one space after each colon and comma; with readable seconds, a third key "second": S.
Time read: {"hour": 2, "minute": 22}
